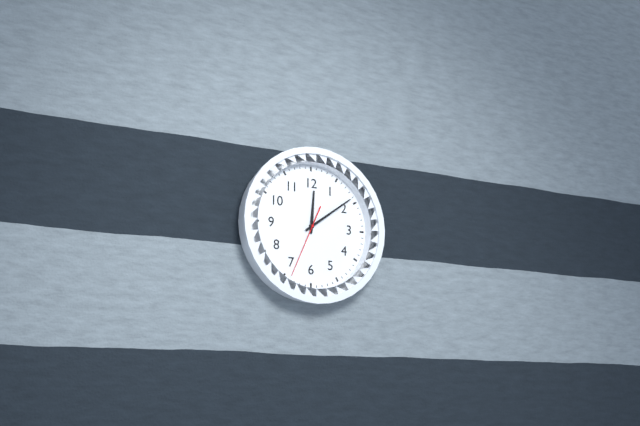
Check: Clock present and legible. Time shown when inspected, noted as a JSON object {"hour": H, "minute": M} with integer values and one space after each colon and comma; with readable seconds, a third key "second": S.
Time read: {"hour": 12, "minute": 9, "second": 34}
